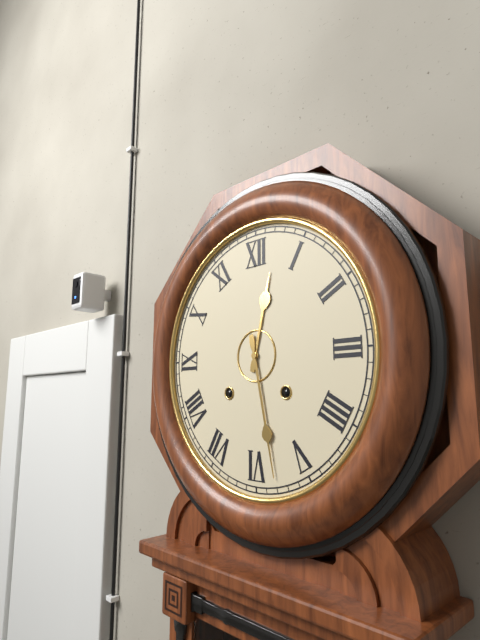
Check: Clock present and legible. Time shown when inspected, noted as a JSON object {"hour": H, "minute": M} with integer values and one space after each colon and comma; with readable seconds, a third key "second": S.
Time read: {"hour": 12, "minute": 28}
